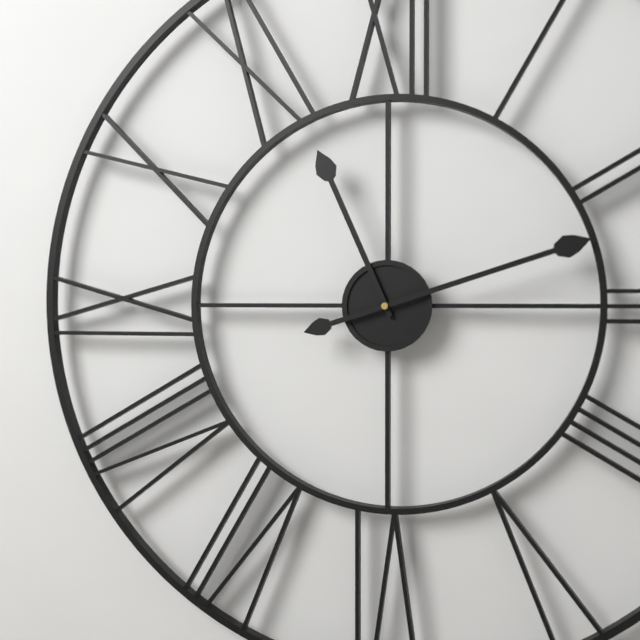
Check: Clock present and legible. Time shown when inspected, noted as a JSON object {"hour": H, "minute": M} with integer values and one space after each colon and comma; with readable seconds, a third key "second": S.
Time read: {"hour": 11, "minute": 12}
